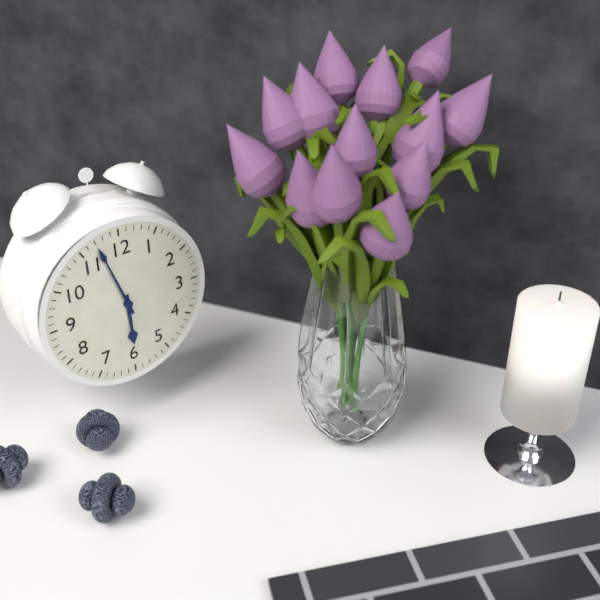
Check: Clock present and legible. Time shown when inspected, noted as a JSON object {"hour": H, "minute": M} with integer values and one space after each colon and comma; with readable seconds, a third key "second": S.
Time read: {"hour": 5, "minute": 57}
